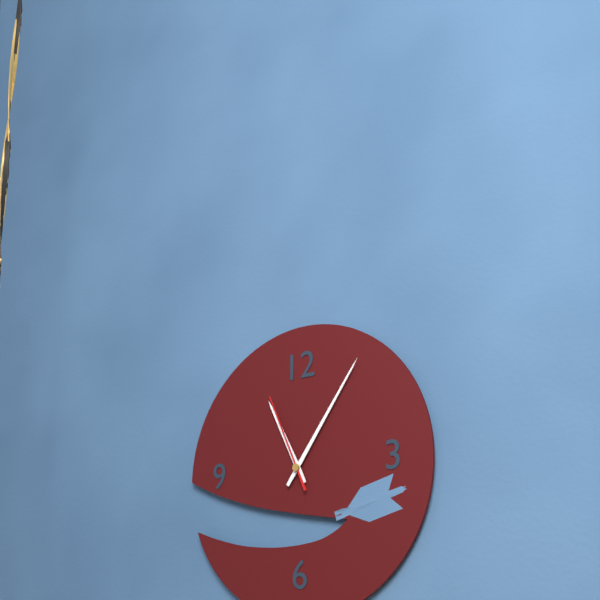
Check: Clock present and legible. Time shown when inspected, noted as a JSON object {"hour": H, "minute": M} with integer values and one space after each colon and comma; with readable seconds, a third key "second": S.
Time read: {"hour": 11, "minute": 6, "second": 56}
